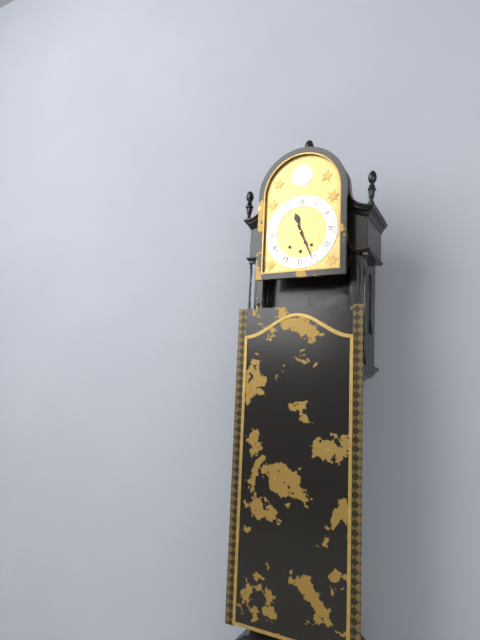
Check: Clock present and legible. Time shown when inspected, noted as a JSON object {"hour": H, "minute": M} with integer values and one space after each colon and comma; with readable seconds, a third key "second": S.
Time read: {"hour": 11, "minute": 26}
